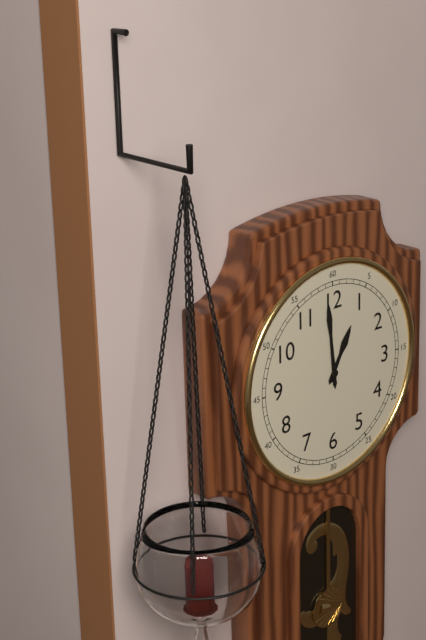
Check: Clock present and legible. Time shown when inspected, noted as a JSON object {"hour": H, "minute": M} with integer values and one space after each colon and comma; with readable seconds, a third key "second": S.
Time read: {"hour": 12, "minute": 59}
